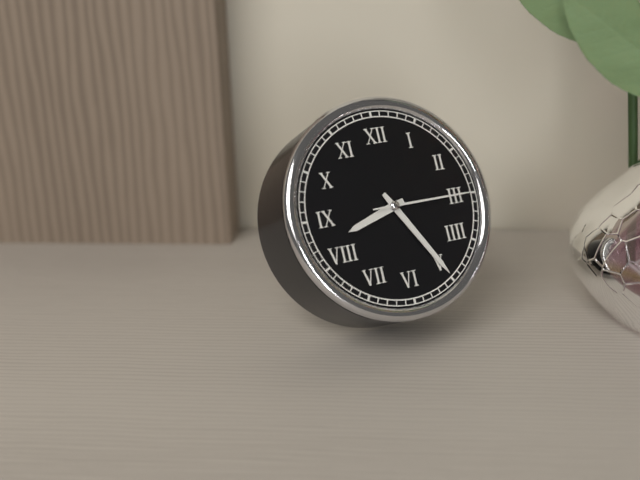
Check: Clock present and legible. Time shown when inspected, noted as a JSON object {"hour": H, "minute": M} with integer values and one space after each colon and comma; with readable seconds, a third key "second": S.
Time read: {"hour": 8, "minute": 25, "second": 15}
